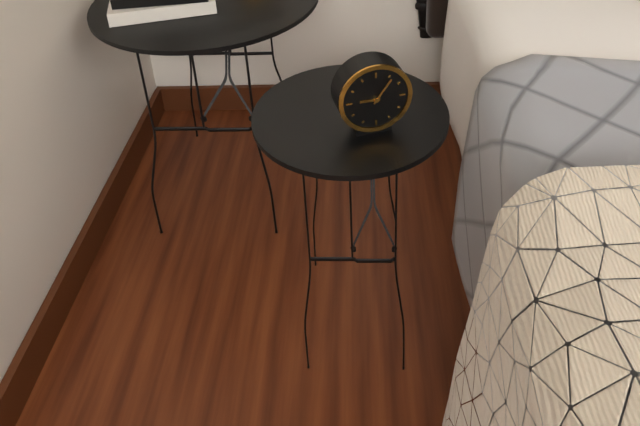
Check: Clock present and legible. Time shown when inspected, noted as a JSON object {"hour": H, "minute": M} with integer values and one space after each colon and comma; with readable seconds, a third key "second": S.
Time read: {"hour": 9, "minute": 6}
